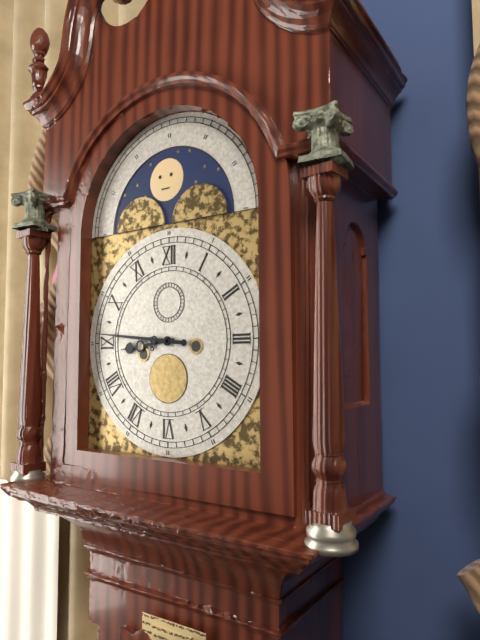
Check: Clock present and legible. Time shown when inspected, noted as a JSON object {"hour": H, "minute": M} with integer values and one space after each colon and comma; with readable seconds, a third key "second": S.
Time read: {"hour": 8, "minute": 46}
